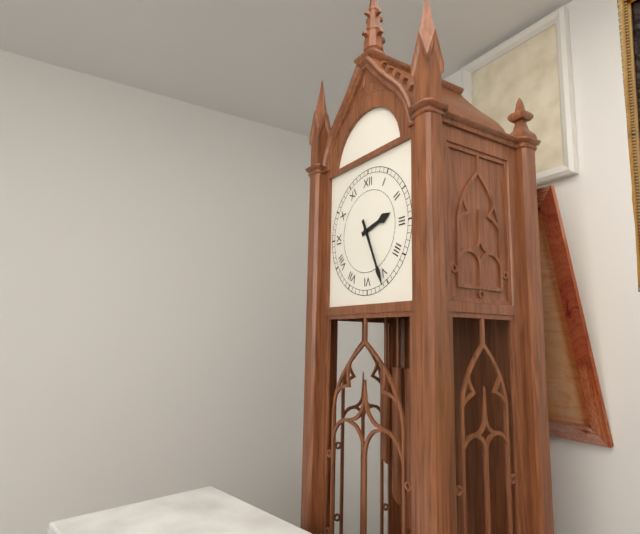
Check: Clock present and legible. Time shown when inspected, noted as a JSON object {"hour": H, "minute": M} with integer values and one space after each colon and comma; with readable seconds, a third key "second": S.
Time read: {"hour": 2, "minute": 26}
